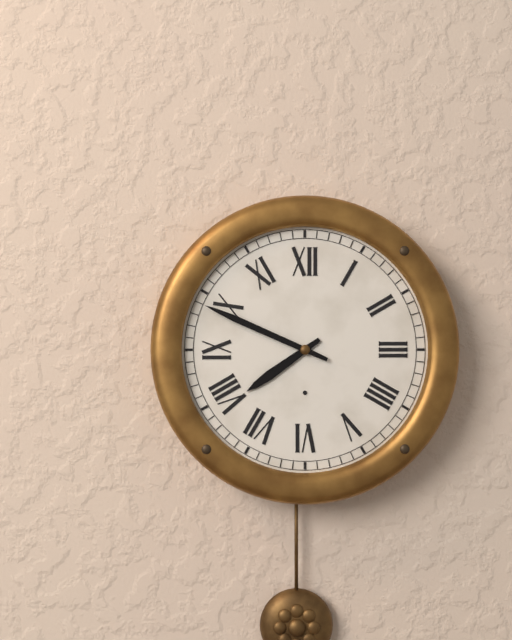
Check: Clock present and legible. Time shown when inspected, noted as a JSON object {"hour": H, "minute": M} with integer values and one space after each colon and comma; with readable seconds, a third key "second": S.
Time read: {"hour": 7, "minute": 49}
